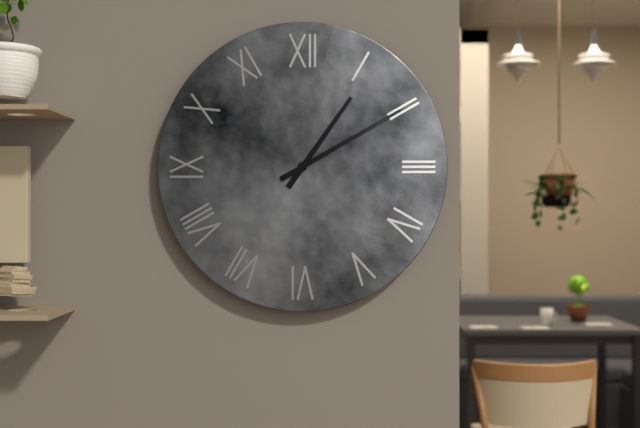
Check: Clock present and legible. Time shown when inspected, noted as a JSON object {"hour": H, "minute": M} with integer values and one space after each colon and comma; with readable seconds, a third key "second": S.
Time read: {"hour": 1, "minute": 10}
